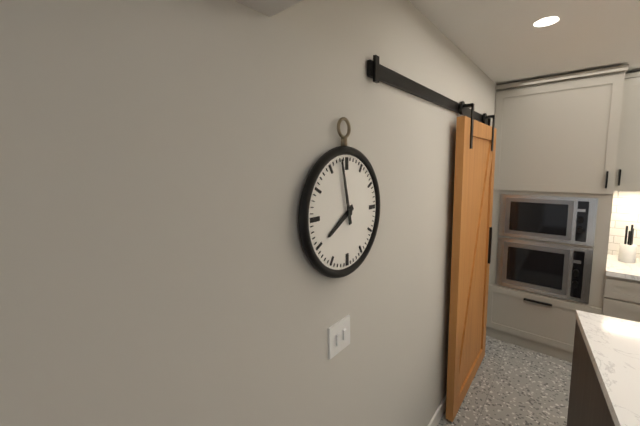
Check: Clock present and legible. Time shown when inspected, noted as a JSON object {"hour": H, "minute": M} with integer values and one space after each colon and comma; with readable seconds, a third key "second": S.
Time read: {"hour": 7, "minute": 58}
